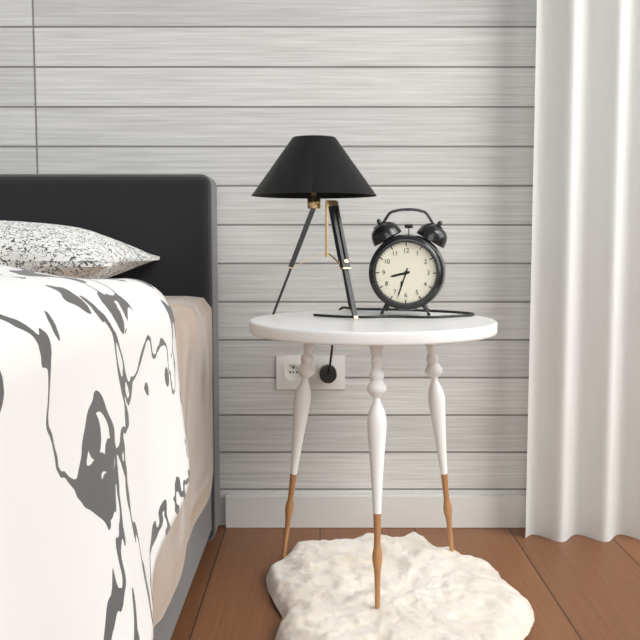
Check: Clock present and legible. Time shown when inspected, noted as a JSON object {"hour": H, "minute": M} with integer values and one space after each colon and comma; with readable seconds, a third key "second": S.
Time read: {"hour": 8, "minute": 33}
